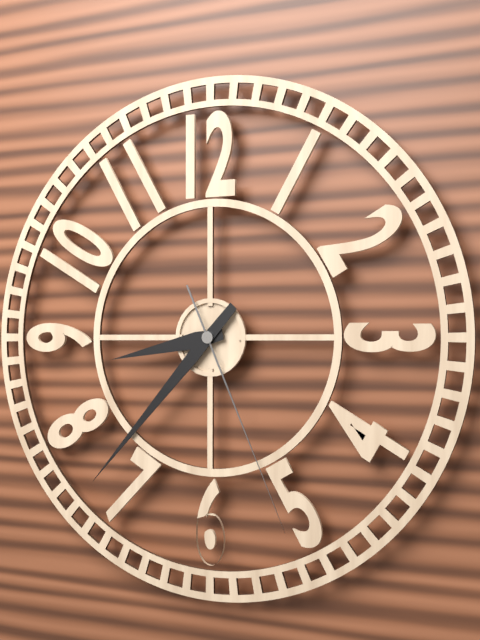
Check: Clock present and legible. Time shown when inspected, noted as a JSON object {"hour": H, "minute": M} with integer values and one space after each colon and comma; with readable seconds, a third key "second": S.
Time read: {"hour": 8, "minute": 37, "second": 26}
